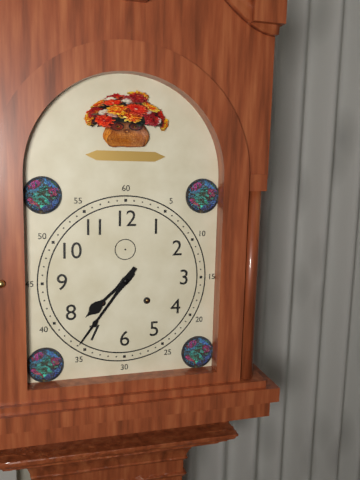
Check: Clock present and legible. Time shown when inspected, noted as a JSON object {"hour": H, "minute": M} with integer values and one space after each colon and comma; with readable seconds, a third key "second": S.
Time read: {"hour": 7, "minute": 36}
